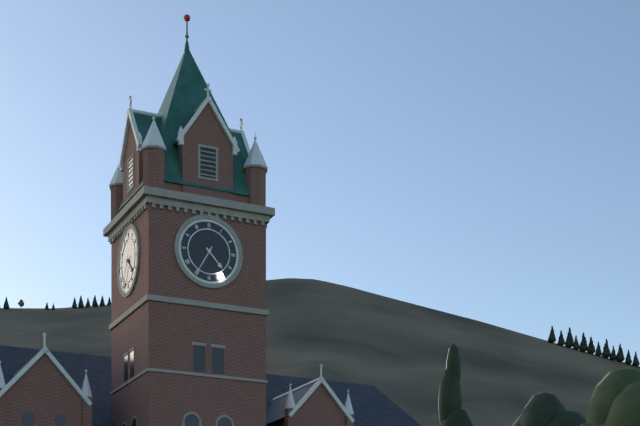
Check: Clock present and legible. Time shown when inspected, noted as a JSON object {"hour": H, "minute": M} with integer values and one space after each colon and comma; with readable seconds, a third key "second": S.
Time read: {"hour": 4, "minute": 35}
